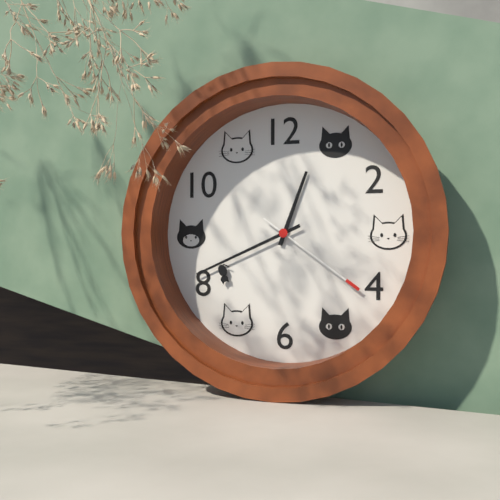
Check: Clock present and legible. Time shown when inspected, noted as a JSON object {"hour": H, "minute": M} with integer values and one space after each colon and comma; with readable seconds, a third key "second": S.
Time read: {"hour": 12, "minute": 41, "second": 21}
